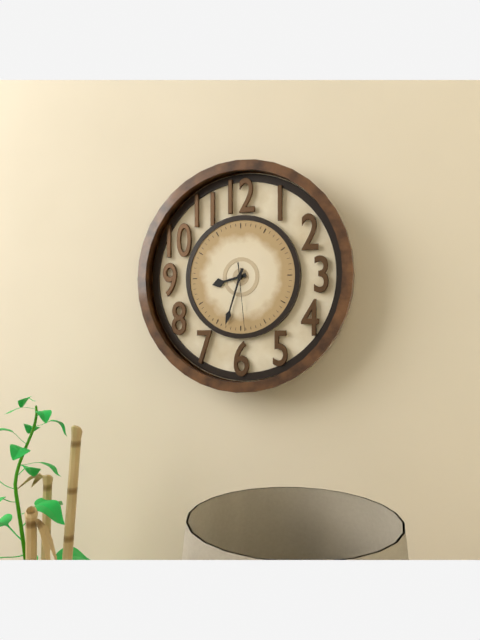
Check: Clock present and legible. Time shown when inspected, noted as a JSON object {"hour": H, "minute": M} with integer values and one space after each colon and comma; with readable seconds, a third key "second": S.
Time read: {"hour": 8, "minute": 33, "second": 29}
